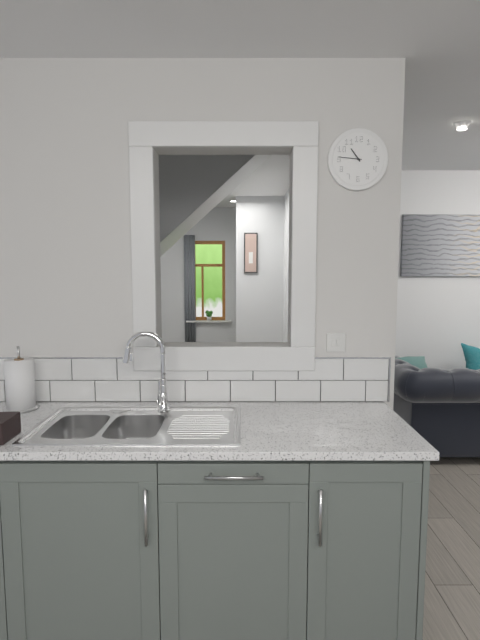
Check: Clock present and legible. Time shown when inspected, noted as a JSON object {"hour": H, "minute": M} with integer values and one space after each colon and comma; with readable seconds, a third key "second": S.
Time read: {"hour": 10, "minute": 46}
